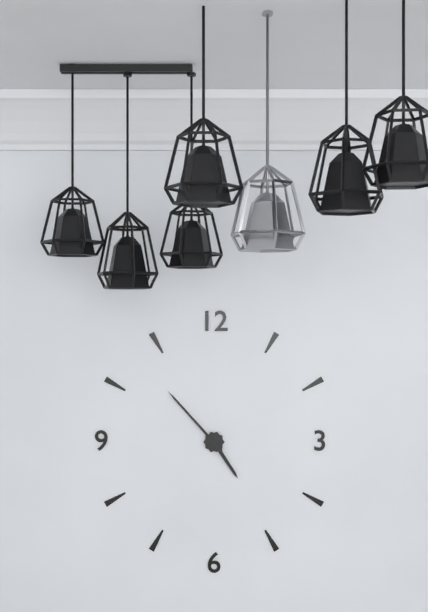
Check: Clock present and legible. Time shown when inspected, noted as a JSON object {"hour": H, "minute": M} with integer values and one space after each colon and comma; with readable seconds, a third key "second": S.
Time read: {"hour": 4, "minute": 53}
